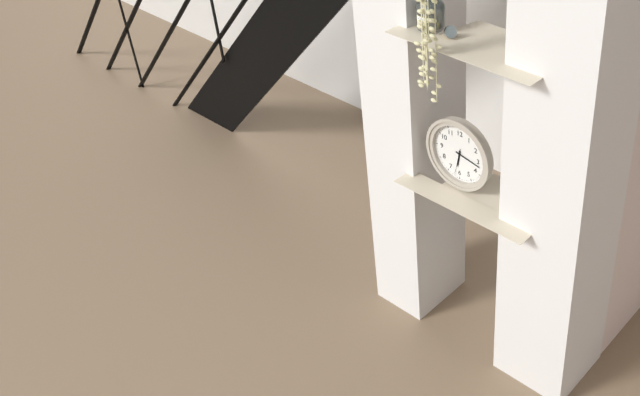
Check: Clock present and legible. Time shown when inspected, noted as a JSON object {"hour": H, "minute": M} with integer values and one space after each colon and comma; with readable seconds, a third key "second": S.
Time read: {"hour": 6, "minute": 17}
